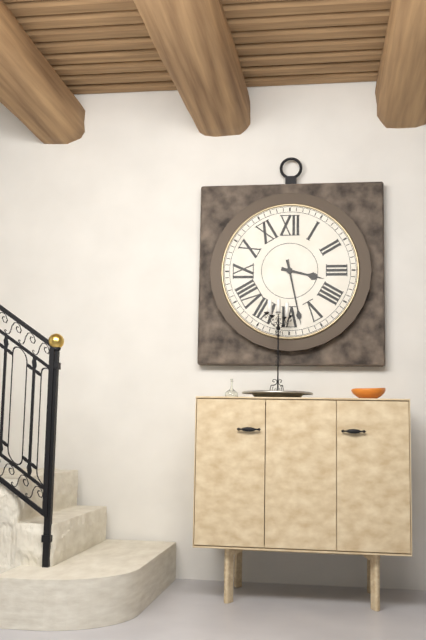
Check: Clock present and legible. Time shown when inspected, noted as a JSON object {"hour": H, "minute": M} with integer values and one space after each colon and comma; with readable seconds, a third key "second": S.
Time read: {"hour": 3, "minute": 28}
